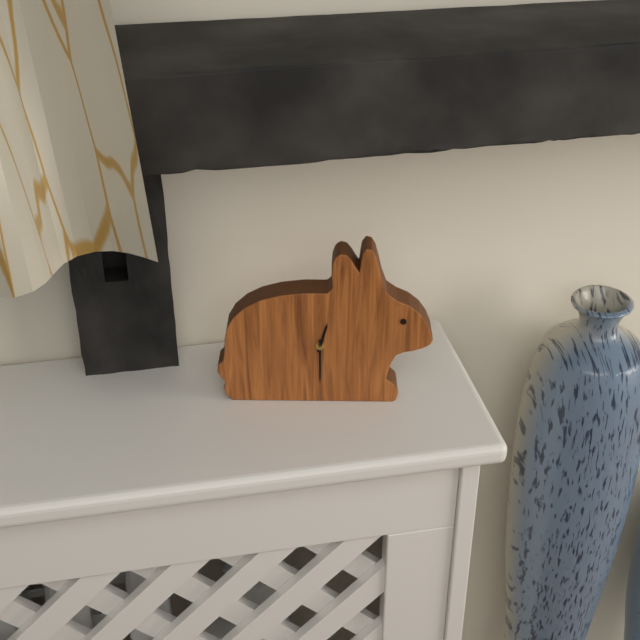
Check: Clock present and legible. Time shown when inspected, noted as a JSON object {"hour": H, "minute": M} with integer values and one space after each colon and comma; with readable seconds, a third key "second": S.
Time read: {"hour": 12, "minute": 30}
